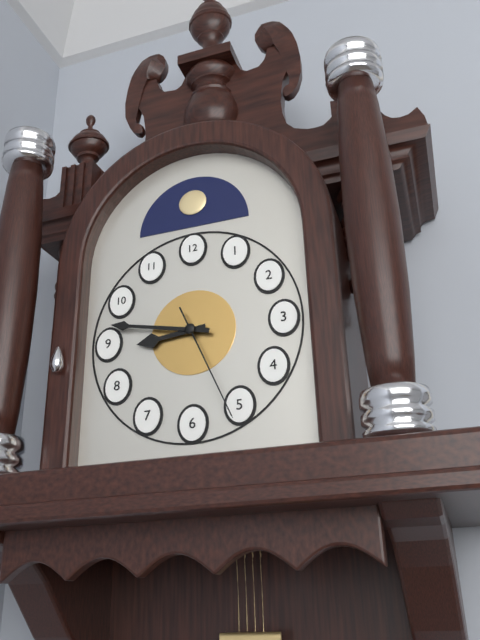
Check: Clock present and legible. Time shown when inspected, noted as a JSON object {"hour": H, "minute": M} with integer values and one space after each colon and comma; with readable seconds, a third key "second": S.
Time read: {"hour": 8, "minute": 47, "second": 26}
